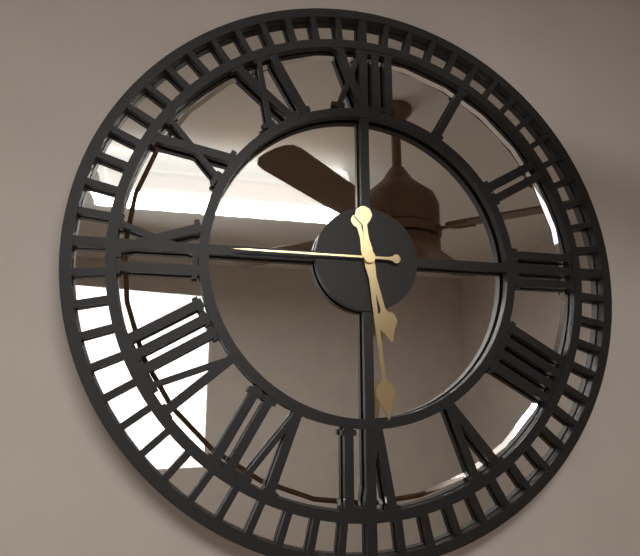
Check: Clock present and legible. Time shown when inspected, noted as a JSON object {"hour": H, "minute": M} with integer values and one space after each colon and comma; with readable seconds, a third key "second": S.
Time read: {"hour": 5, "minute": 29, "second": 45}
